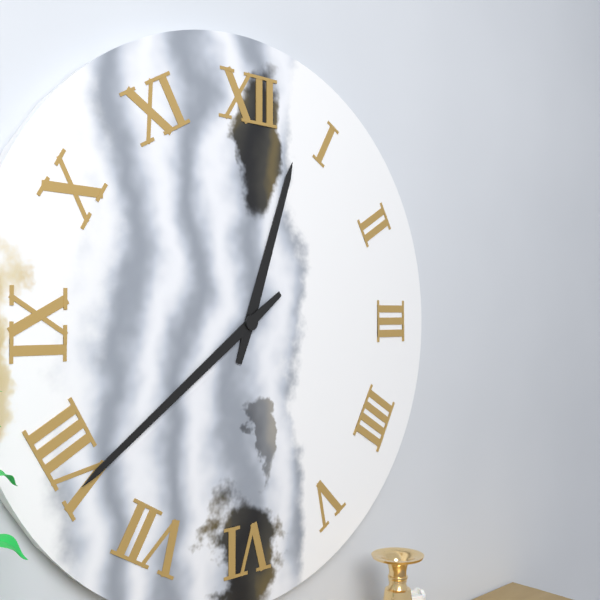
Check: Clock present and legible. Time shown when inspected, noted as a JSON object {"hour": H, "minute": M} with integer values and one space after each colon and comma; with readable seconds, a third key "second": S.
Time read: {"hour": 12, "minute": 39}
